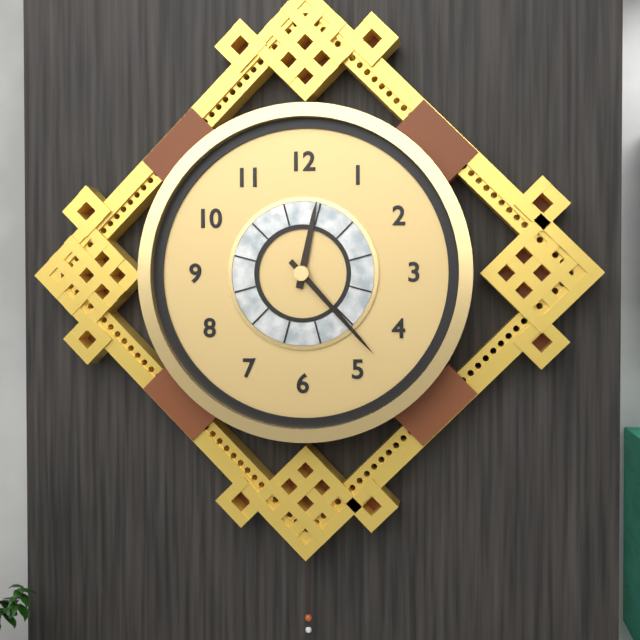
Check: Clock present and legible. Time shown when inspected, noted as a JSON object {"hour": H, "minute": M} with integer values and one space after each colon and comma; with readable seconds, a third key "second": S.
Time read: {"hour": 12, "minute": 23}
